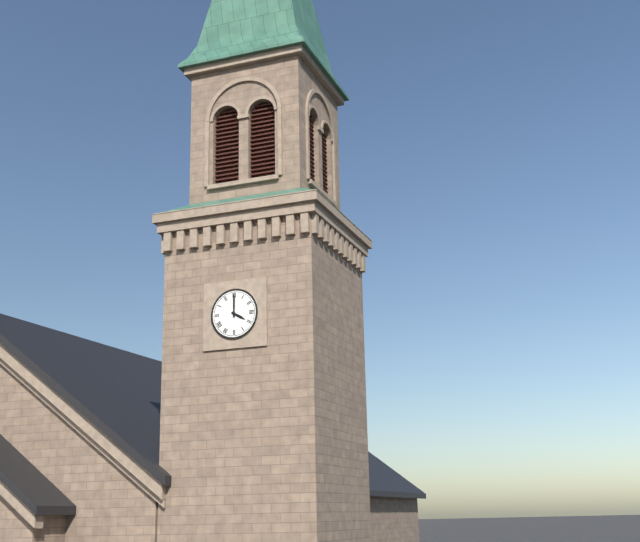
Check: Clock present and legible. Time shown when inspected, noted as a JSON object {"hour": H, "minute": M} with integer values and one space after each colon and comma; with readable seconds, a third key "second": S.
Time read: {"hour": 4, "minute": 0}
